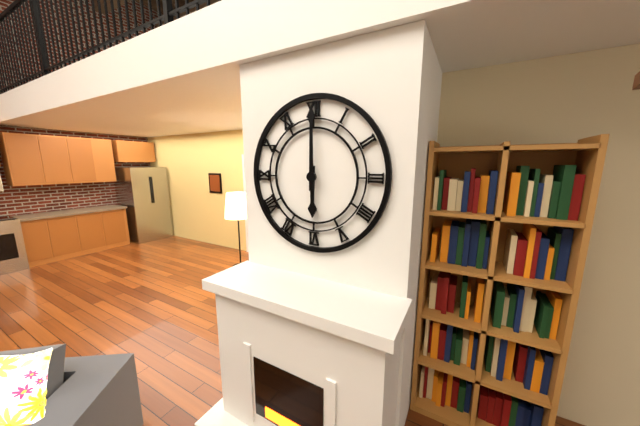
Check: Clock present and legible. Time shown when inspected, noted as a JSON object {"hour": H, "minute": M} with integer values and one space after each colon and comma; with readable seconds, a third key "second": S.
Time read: {"hour": 6, "minute": 0}
